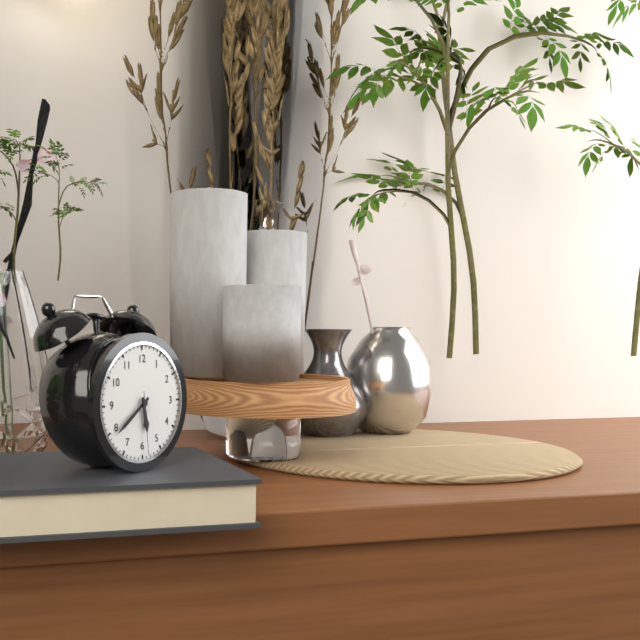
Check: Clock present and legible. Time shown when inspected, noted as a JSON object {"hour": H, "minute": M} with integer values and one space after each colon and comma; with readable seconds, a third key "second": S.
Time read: {"hour": 5, "minute": 39, "second": 29}
